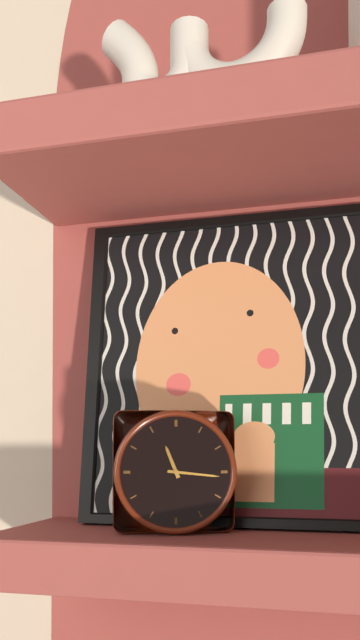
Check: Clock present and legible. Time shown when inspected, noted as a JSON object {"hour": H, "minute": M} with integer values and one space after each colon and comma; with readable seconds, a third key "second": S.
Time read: {"hour": 11, "minute": 16}
